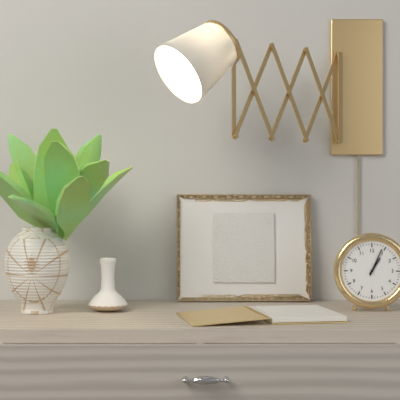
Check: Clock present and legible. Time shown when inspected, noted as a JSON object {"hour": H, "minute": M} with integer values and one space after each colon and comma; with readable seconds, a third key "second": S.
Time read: {"hour": 1, "minute": 4}
